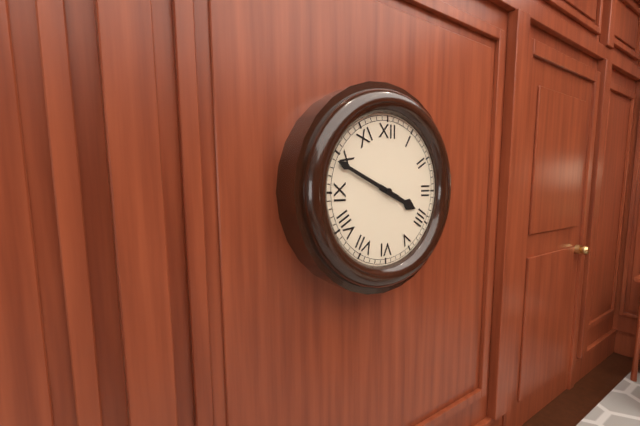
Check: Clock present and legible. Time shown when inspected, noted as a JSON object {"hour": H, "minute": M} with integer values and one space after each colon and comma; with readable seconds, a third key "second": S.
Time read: {"hour": 3, "minute": 49}
